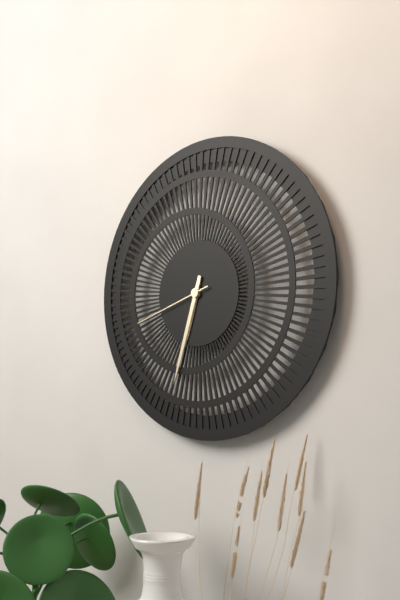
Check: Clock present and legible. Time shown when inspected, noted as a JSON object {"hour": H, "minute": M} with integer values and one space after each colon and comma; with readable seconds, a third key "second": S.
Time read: {"hour": 6, "minute": 33, "second": 42}
